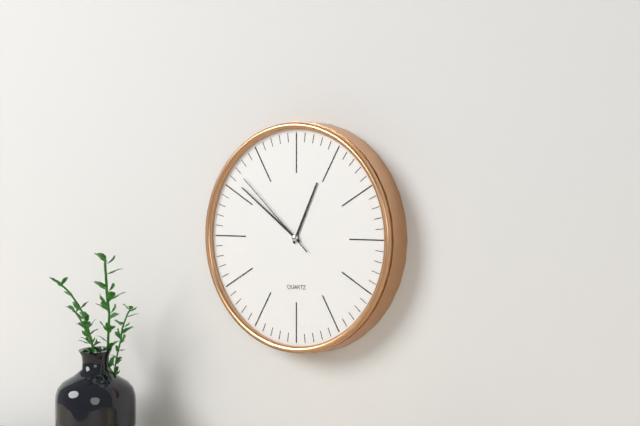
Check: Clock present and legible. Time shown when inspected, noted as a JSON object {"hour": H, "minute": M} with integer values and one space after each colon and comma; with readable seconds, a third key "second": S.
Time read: {"hour": 12, "minute": 51, "second": 52}
